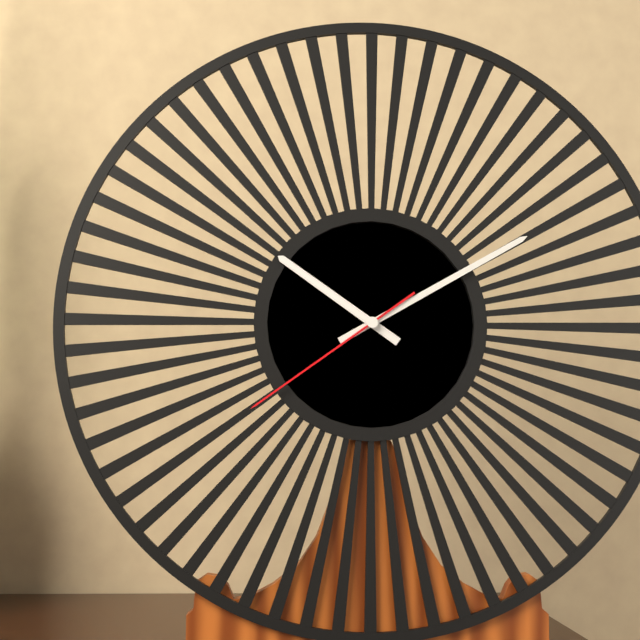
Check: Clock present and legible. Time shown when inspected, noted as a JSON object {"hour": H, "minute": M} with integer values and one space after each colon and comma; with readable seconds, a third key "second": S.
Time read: {"hour": 10, "minute": 10, "second": 39}
